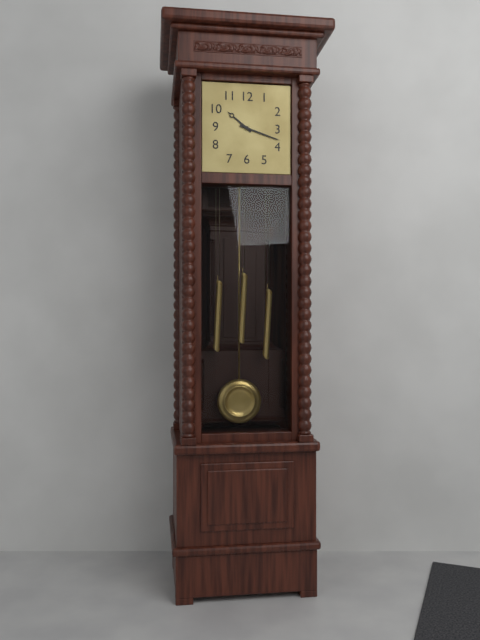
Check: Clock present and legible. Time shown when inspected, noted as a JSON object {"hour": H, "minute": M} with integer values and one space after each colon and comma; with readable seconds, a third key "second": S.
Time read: {"hour": 10, "minute": 18}
